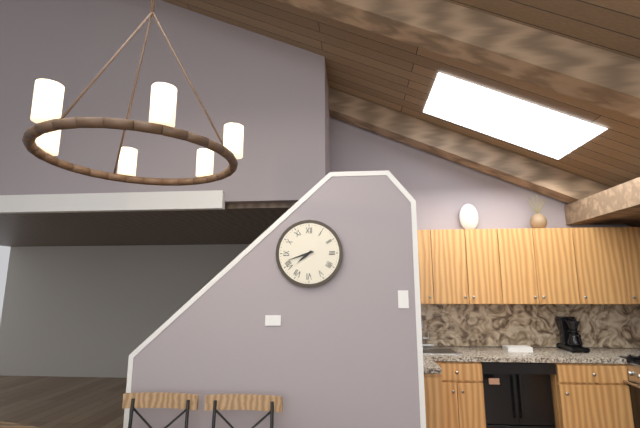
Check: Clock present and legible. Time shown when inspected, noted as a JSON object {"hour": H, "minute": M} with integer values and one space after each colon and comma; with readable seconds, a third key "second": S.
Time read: {"hour": 7, "minute": 42}
